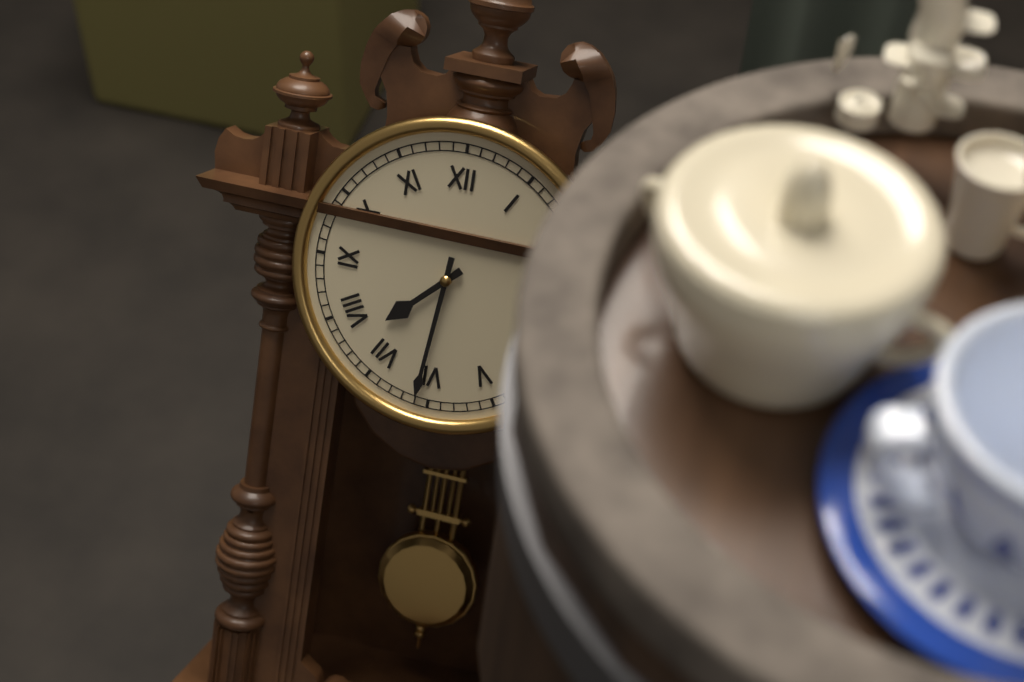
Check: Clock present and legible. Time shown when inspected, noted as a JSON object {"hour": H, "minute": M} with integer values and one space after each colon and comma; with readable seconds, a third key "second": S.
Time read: {"hour": 7, "minute": 31}
